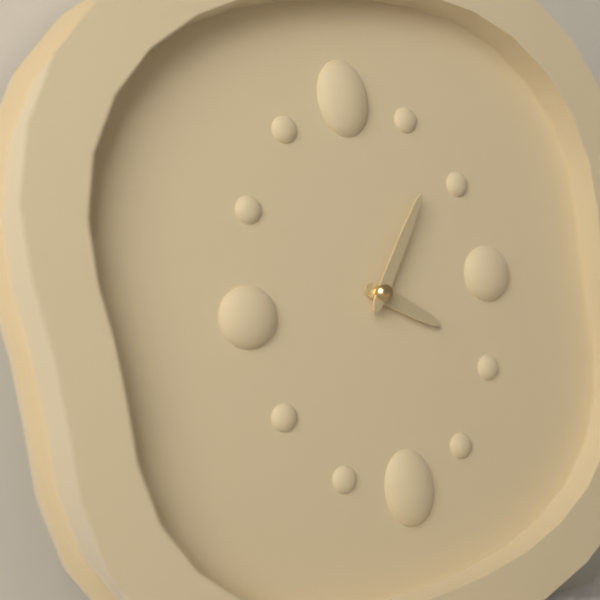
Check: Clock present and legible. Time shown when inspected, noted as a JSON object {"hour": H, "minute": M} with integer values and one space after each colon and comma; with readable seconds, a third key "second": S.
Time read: {"hour": 4, "minute": 6}
